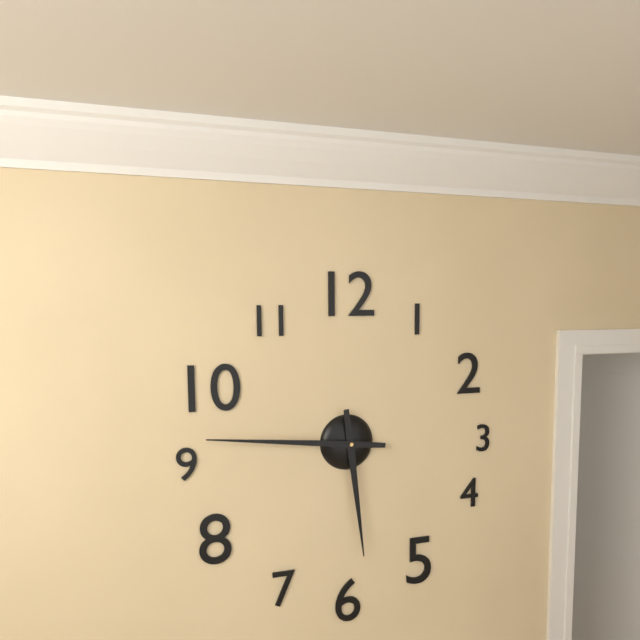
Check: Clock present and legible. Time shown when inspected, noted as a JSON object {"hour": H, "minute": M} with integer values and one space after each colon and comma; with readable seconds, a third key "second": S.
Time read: {"hour": 5, "minute": 46}
